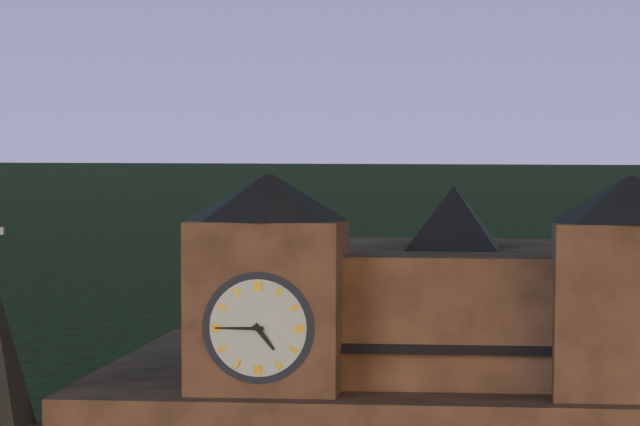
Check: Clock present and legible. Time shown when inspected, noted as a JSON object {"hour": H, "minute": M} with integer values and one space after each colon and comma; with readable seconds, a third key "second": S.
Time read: {"hour": 4, "minute": 45}
